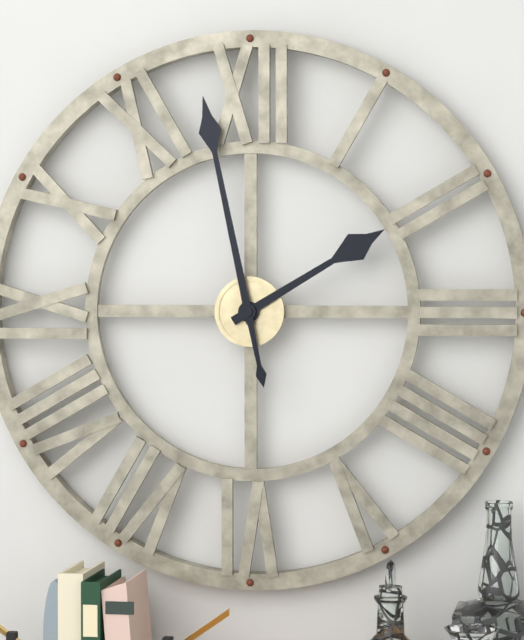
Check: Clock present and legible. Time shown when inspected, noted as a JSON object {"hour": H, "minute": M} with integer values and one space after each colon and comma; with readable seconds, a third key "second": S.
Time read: {"hour": 1, "minute": 58}
